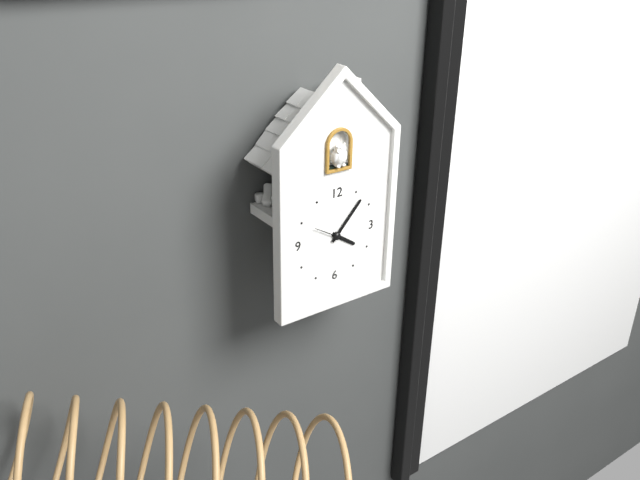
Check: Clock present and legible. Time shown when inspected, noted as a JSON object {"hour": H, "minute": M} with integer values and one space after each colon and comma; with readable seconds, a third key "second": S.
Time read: {"hour": 4, "minute": 7}
